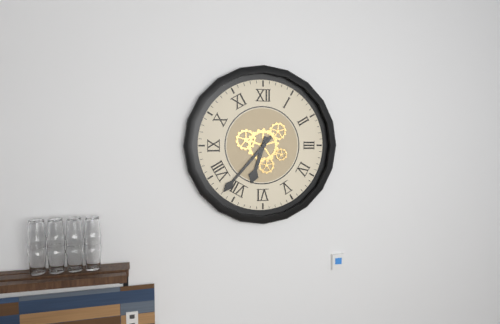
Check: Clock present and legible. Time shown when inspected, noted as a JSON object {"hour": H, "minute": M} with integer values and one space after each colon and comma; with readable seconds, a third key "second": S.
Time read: {"hour": 6, "minute": 37}
